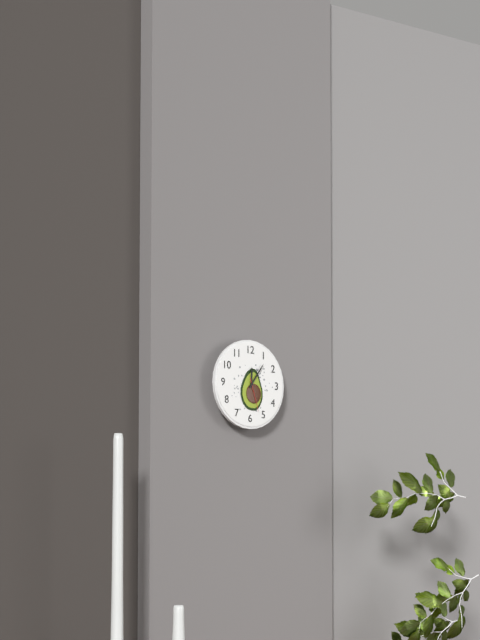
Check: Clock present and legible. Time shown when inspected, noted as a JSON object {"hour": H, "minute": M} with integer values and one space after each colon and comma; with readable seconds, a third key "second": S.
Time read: {"hour": 12, "minute": 6}
